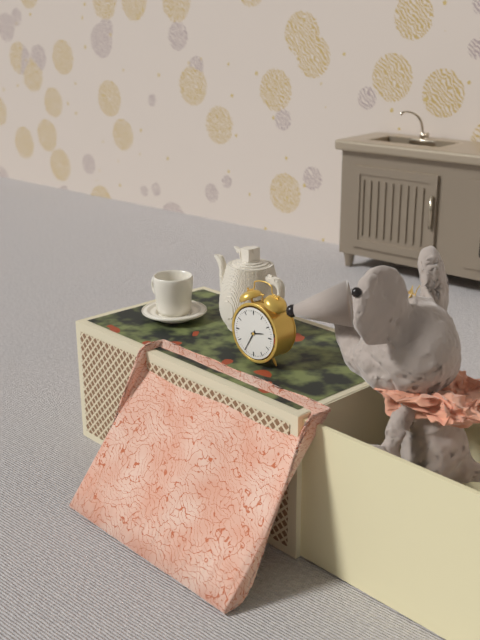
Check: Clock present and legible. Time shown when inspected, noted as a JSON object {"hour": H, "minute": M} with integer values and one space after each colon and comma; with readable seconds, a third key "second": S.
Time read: {"hour": 2, "minute": 35}
